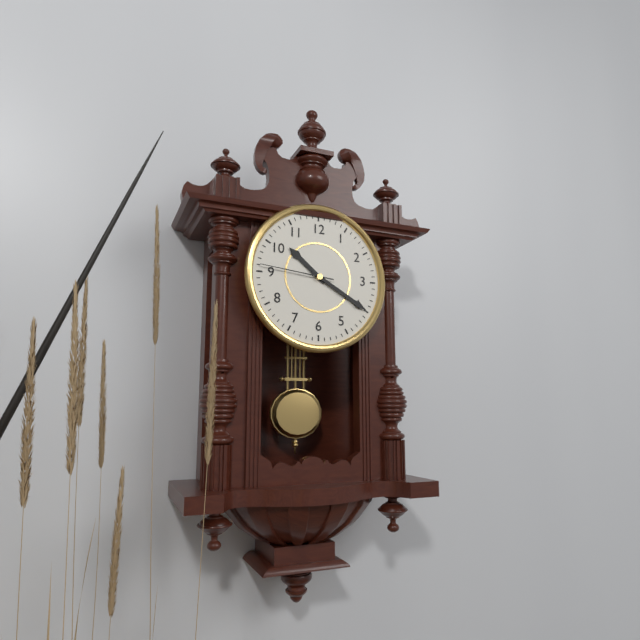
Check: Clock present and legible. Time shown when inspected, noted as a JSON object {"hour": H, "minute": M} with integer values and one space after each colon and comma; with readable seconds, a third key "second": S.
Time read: {"hour": 10, "minute": 20, "second": 46}
